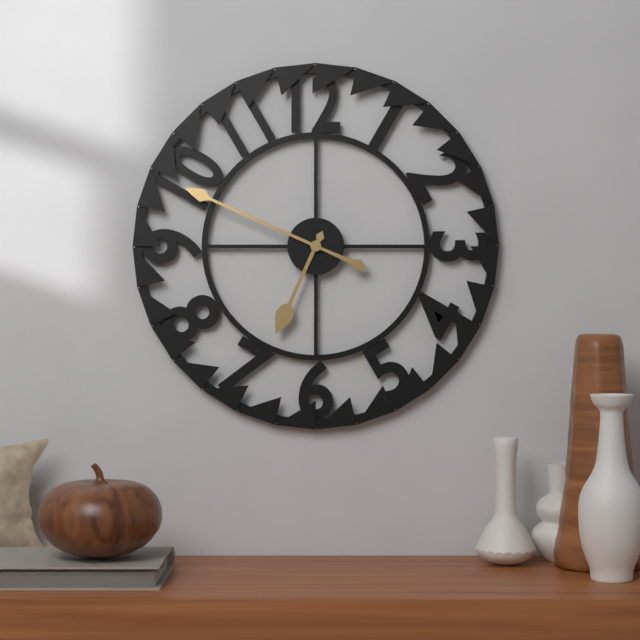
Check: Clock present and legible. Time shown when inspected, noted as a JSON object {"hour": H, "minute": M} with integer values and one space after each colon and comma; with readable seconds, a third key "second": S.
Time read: {"hour": 6, "minute": 49}
